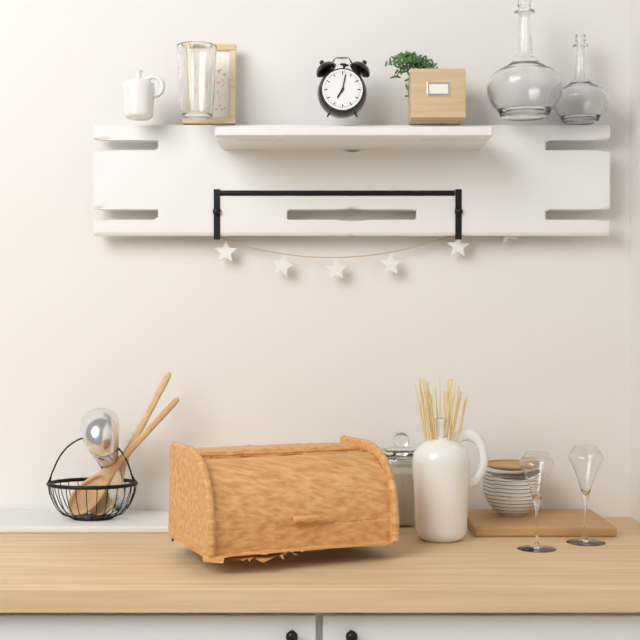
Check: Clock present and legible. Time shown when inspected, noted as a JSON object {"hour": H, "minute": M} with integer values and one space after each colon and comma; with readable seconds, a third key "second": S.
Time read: {"hour": 7, "minute": 2}
